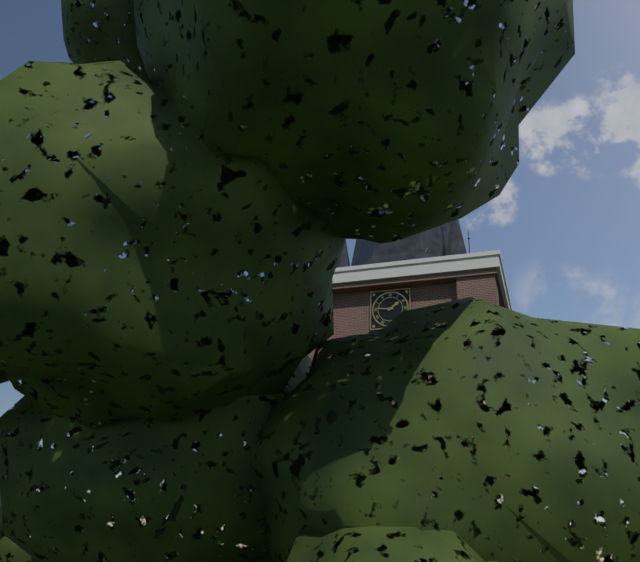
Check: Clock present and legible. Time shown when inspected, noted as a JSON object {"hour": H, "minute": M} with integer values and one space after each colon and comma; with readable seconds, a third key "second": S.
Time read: {"hour": 1, "minute": 46}
